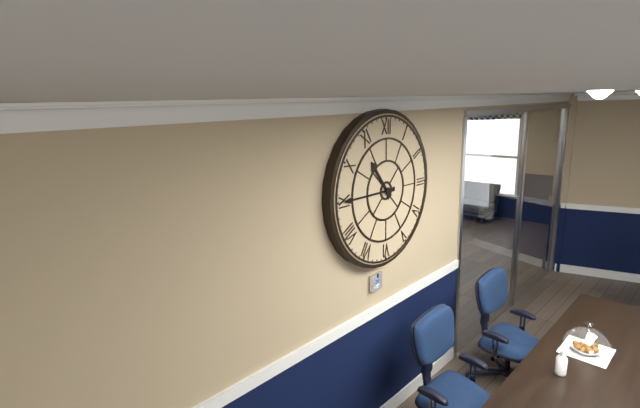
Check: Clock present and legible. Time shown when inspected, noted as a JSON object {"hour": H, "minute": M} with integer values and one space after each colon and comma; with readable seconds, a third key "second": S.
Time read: {"hour": 10, "minute": 45}
